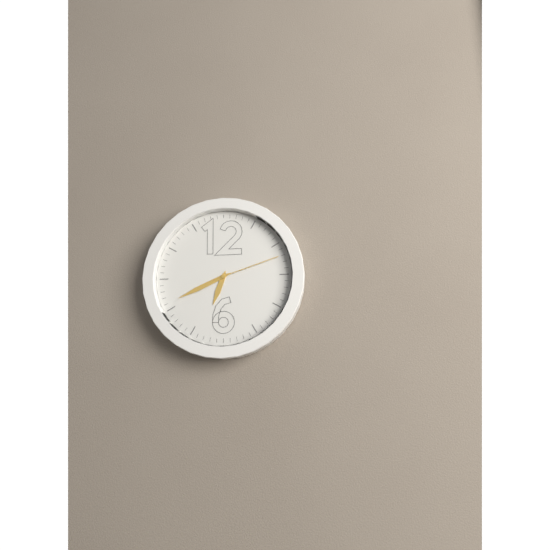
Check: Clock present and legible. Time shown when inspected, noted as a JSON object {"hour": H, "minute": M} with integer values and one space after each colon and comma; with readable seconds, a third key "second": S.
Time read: {"hour": 6, "minute": 41, "second": 12}
